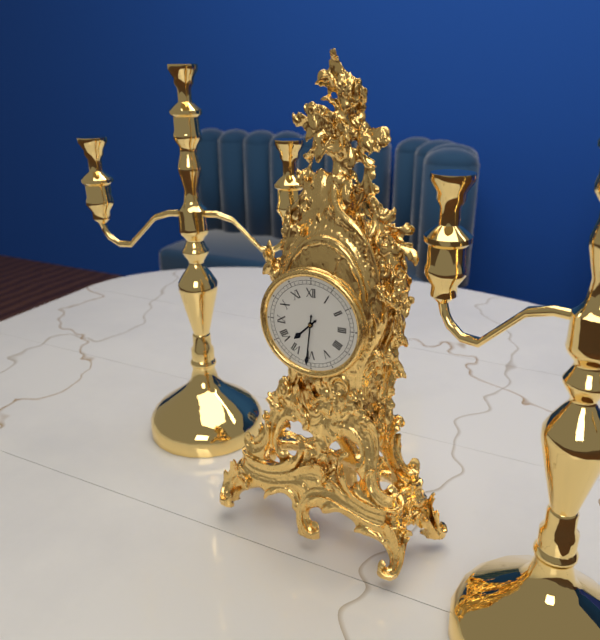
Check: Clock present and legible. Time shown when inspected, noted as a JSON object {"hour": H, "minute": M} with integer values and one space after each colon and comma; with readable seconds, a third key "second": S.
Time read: {"hour": 7, "minute": 31}
